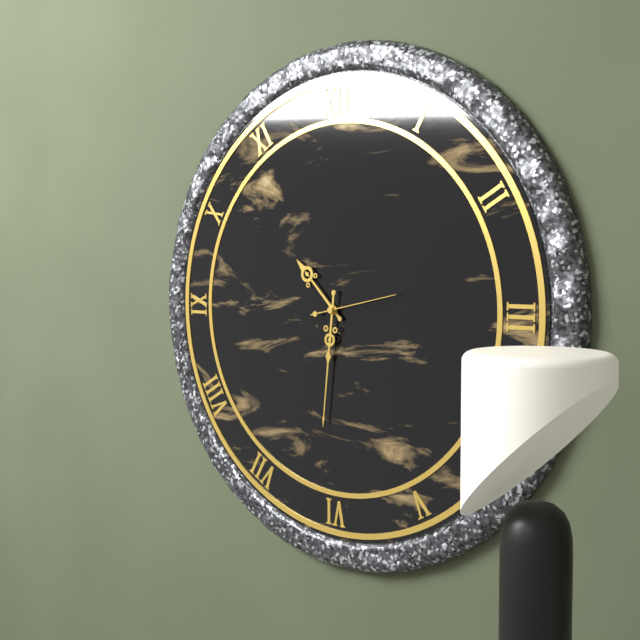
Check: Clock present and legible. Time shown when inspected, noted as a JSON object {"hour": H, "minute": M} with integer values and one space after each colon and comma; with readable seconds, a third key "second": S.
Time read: {"hour": 10, "minute": 31, "second": 13}
